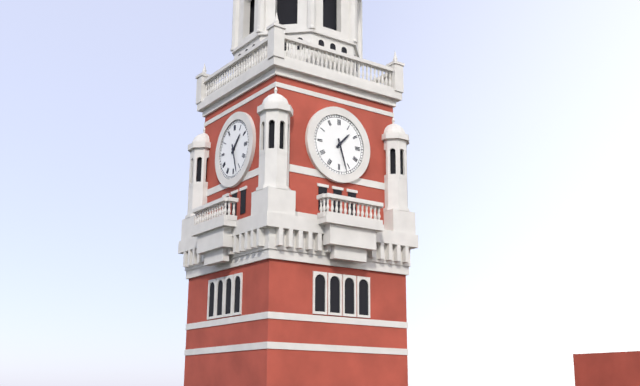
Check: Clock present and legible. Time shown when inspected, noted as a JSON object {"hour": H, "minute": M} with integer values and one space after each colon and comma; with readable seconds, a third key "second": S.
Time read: {"hour": 1, "minute": 27}
